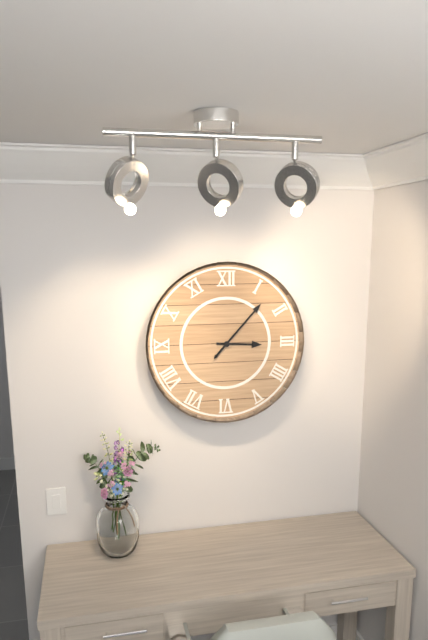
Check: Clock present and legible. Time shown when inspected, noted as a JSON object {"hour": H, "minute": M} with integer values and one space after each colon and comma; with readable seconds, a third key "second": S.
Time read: {"hour": 3, "minute": 7}
